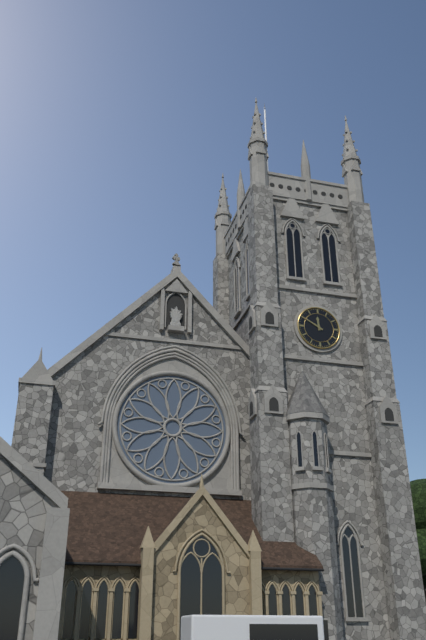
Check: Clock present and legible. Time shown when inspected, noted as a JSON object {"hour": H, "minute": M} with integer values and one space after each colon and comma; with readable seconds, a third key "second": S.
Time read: {"hour": 11, "minute": 50}
